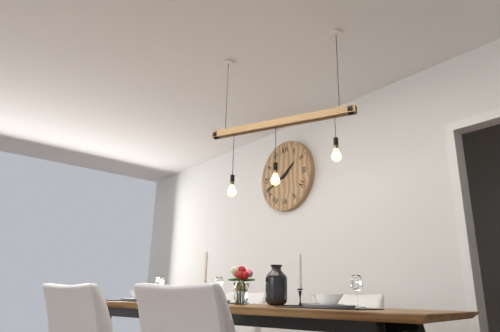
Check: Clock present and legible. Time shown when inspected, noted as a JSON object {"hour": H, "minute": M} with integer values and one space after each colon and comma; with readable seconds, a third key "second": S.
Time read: {"hour": 1, "minute": 41}
